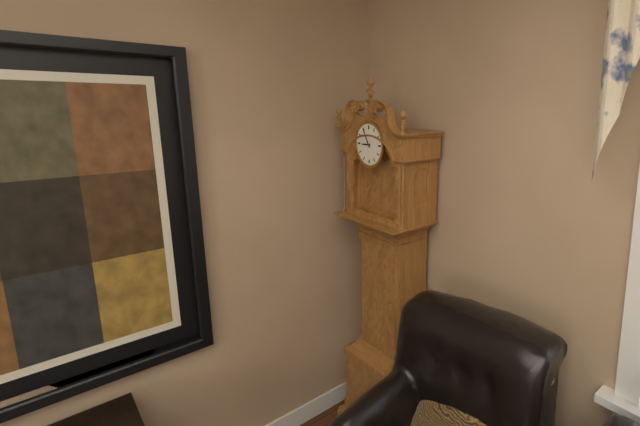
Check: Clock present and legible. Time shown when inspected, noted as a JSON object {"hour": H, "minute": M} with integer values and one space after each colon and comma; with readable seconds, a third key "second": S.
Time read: {"hour": 8, "minute": 55}
